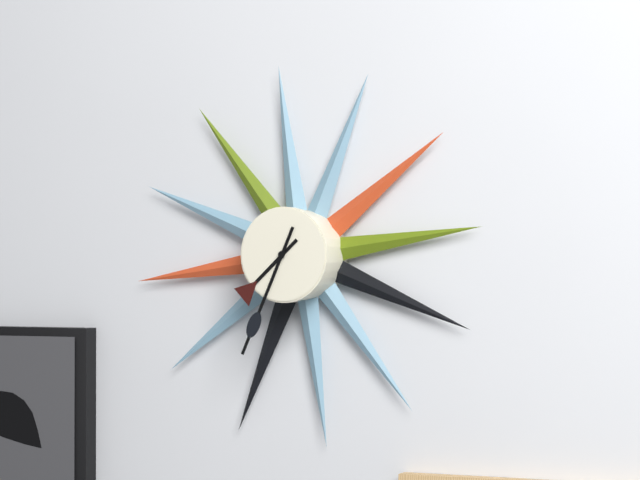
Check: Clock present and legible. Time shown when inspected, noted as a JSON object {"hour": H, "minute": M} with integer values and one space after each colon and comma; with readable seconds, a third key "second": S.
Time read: {"hour": 7, "minute": 34}
